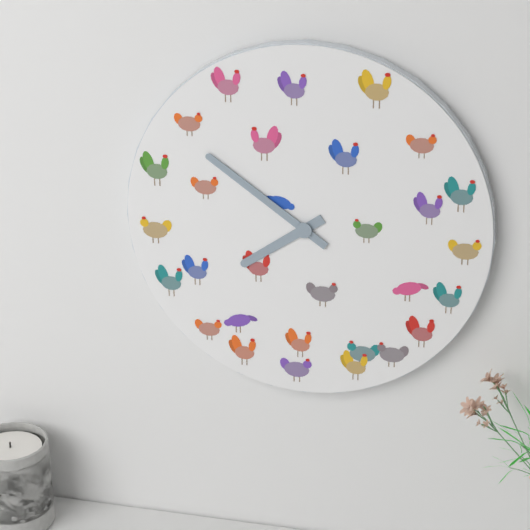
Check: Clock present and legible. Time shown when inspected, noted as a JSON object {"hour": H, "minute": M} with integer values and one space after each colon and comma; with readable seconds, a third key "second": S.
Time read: {"hour": 7, "minute": 51}
